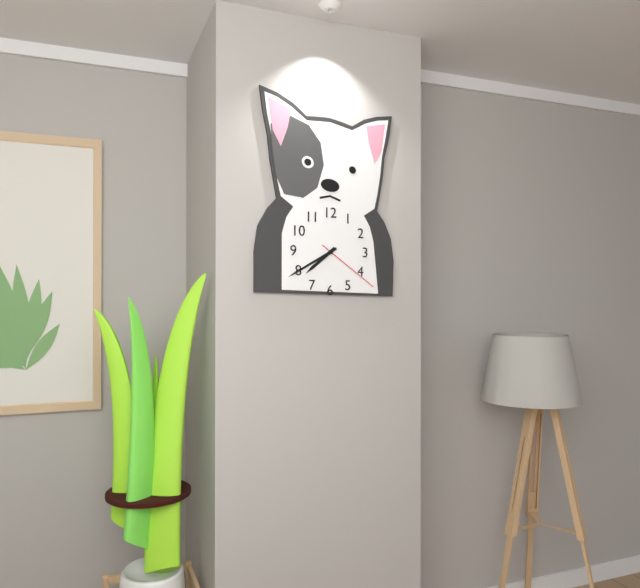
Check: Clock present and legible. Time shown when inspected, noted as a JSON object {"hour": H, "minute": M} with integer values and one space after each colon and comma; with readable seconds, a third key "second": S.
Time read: {"hour": 7, "minute": 40, "second": 21}
